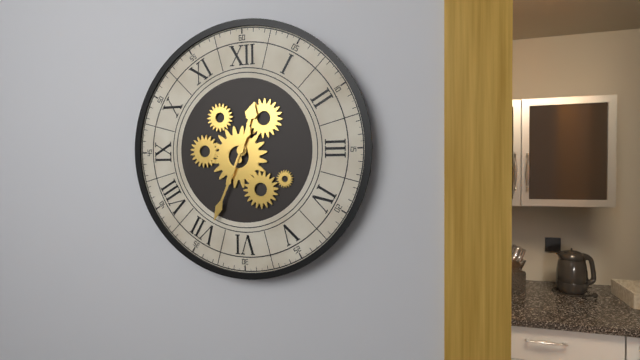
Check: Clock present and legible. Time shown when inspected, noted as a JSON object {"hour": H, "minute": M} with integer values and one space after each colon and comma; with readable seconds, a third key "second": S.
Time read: {"hour": 12, "minute": 34}
